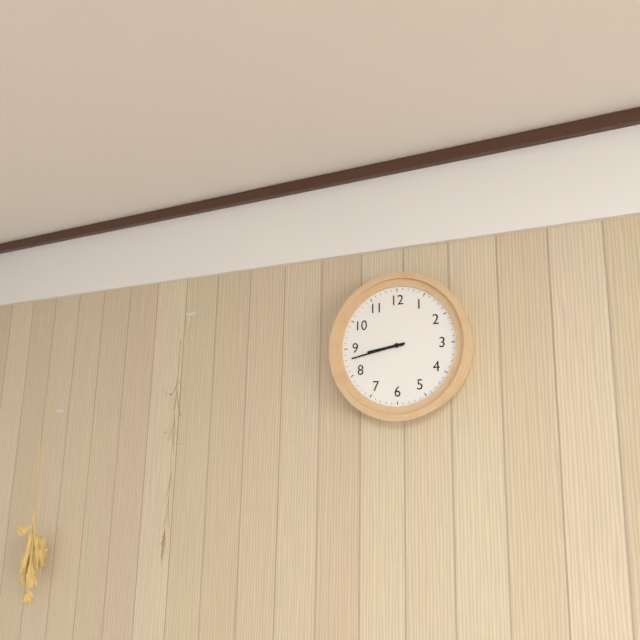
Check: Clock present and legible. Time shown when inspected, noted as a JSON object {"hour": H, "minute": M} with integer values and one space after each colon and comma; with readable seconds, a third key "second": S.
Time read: {"hour": 8, "minute": 43}
